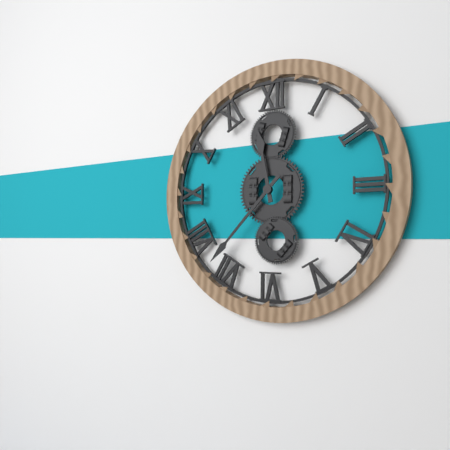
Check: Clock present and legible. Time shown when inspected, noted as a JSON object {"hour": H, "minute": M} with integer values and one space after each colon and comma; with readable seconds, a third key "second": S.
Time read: {"hour": 11, "minute": 37}
